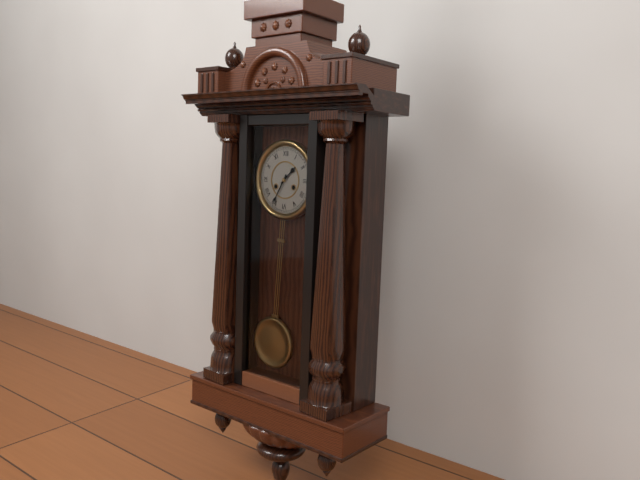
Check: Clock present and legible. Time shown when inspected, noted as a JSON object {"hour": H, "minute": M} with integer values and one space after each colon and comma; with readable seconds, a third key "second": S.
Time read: {"hour": 1, "minute": 35}
